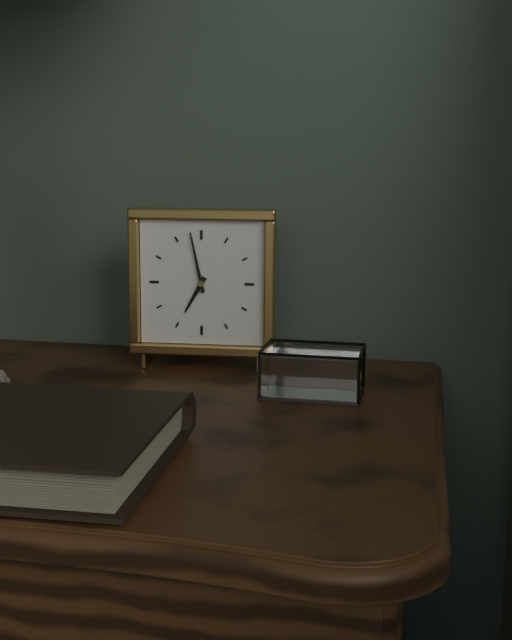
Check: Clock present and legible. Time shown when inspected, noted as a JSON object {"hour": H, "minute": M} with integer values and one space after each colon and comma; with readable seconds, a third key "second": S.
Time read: {"hour": 6, "minute": 58}
